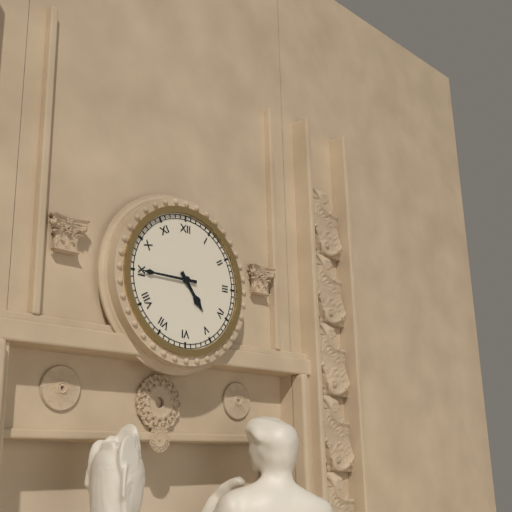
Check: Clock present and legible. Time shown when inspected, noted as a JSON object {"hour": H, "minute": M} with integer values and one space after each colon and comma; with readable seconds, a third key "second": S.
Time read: {"hour": 4, "minute": 45}
